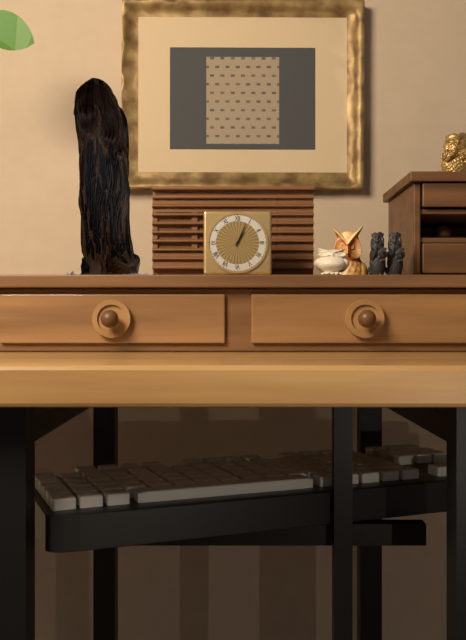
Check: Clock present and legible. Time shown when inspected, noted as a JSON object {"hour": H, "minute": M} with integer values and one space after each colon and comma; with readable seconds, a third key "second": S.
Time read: {"hour": 1, "minute": 4}
